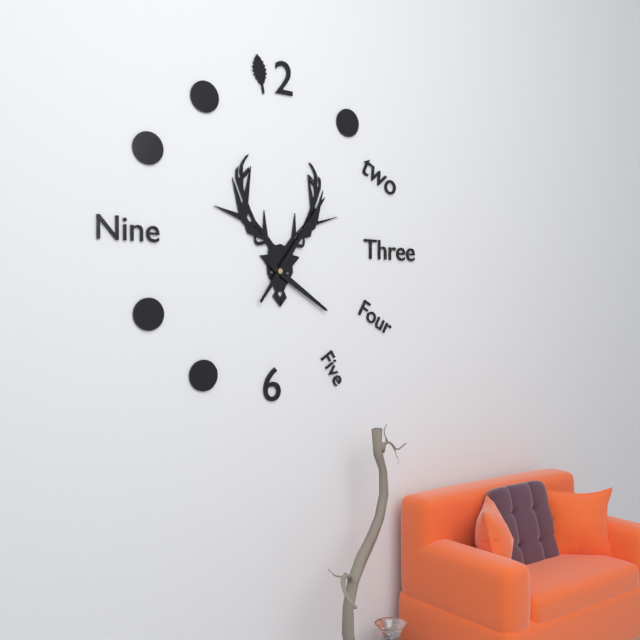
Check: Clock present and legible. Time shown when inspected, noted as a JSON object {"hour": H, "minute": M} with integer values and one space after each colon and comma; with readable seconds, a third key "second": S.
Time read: {"hour": 4, "minute": 6}
